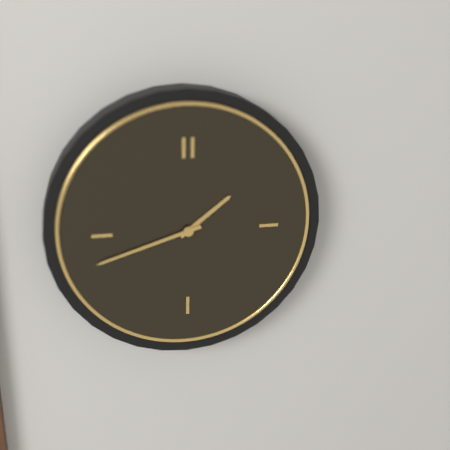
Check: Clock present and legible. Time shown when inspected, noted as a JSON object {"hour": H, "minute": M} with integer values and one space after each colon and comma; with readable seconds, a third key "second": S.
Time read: {"hour": 1, "minute": 42}
